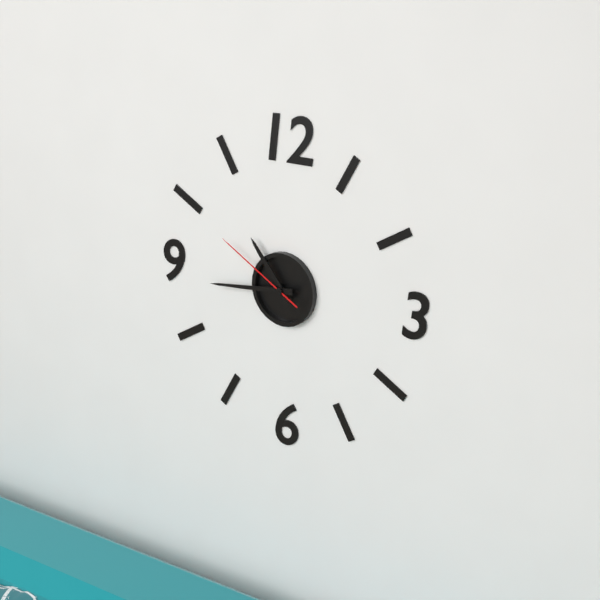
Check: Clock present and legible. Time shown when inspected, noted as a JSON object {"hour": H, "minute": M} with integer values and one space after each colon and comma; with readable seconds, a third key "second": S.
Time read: {"hour": 10, "minute": 44, "second": 50}
